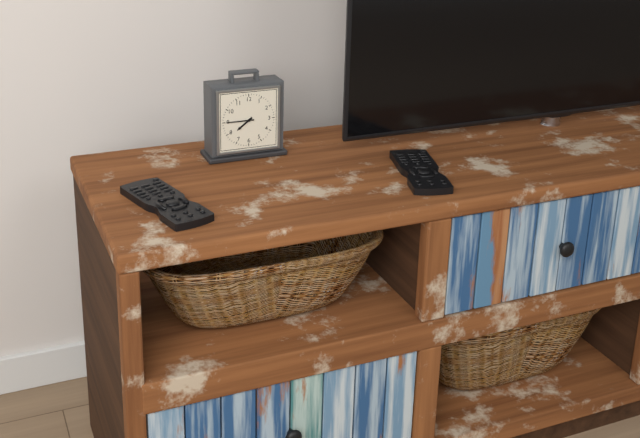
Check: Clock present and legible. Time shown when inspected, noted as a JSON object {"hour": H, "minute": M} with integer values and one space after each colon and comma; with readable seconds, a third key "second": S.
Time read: {"hour": 7, "minute": 45}
